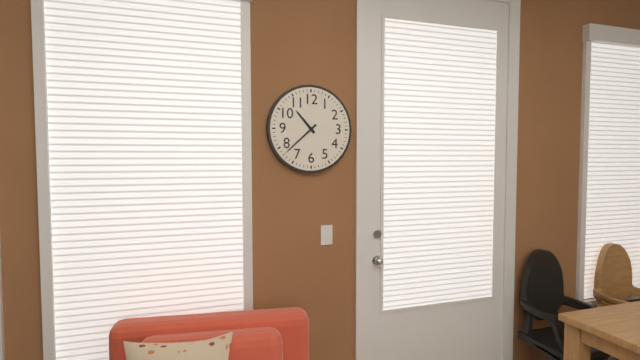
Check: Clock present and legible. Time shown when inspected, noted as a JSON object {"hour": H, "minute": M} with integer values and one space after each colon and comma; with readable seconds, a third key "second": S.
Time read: {"hour": 10, "minute": 38}
